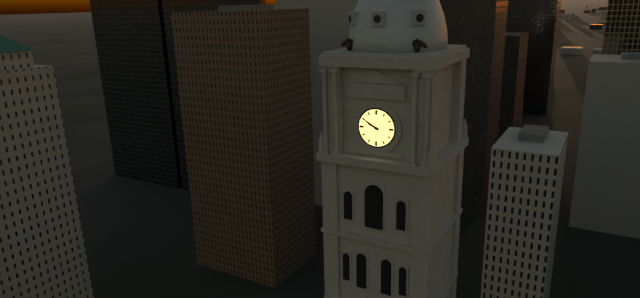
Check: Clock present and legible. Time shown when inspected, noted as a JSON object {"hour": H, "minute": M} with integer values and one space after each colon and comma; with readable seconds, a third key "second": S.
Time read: {"hour": 9, "minute": 50}
